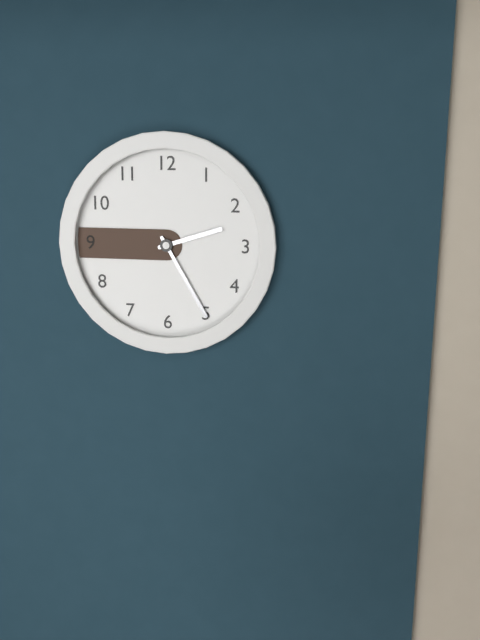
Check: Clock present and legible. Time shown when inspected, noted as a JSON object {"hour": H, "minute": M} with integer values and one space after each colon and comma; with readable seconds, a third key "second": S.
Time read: {"hour": 2, "minute": 25}
